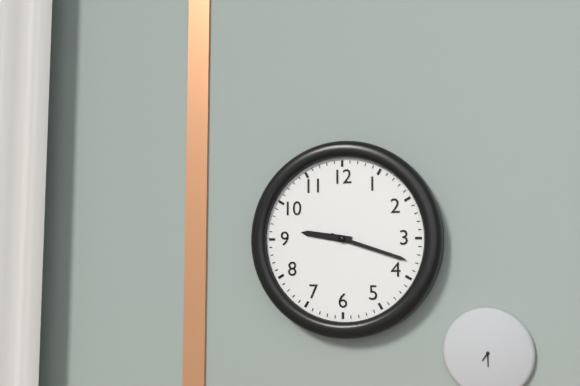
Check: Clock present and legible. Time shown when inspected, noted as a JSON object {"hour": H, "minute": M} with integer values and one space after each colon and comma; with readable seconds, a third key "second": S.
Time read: {"hour": 9, "minute": 18}
